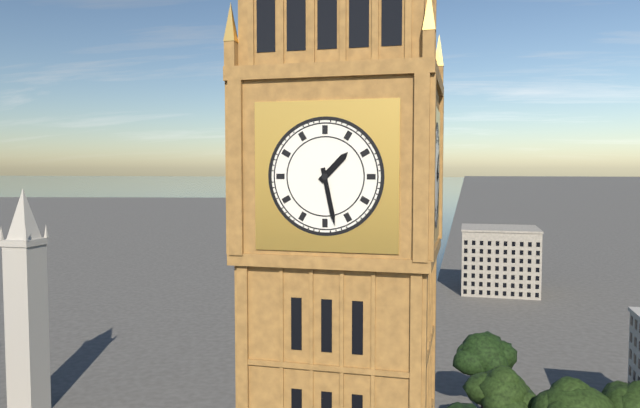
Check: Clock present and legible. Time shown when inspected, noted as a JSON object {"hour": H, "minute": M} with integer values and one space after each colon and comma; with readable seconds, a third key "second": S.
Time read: {"hour": 1, "minute": 28}
